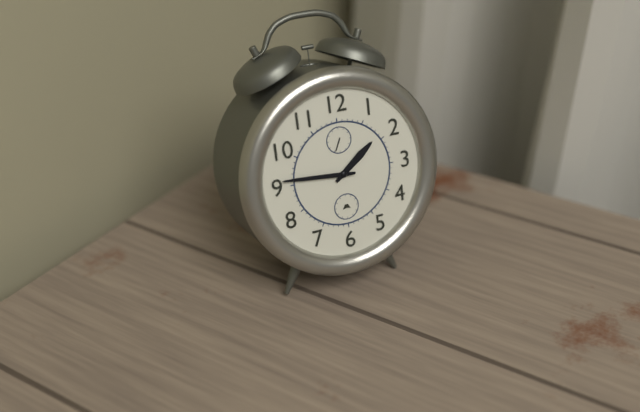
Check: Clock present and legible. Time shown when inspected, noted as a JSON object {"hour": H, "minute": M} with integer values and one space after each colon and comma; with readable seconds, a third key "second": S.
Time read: {"hour": 1, "minute": 46}
